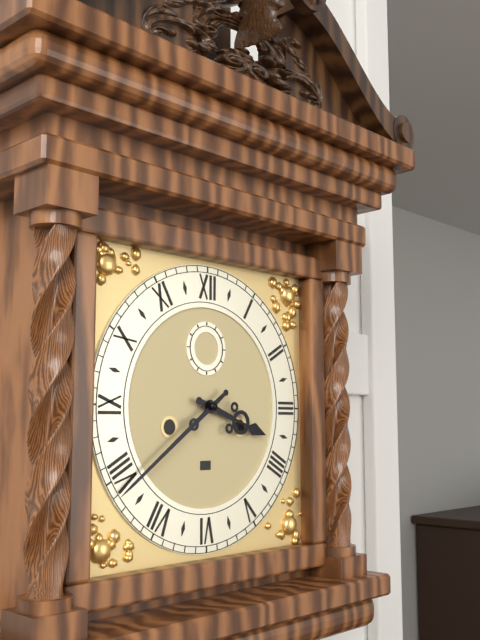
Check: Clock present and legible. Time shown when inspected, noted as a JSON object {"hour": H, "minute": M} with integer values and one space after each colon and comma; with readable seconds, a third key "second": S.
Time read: {"hour": 3, "minute": 39}
